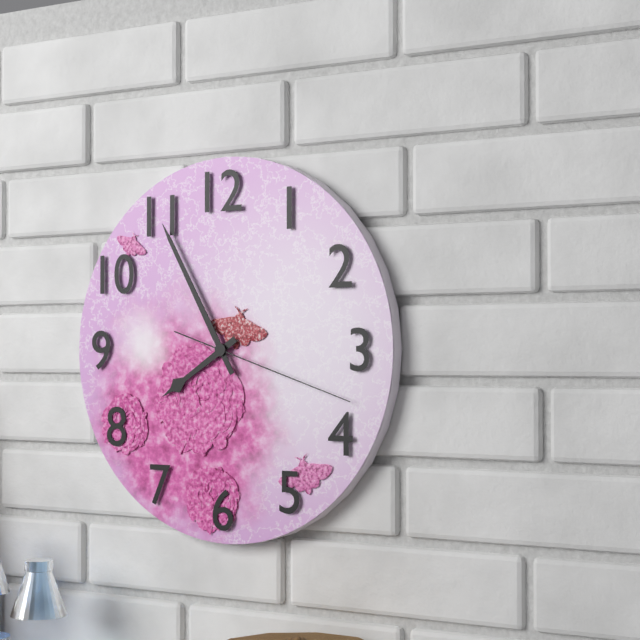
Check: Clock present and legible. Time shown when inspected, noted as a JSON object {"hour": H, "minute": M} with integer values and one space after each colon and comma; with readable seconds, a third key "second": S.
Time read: {"hour": 7, "minute": 55, "second": 18}
